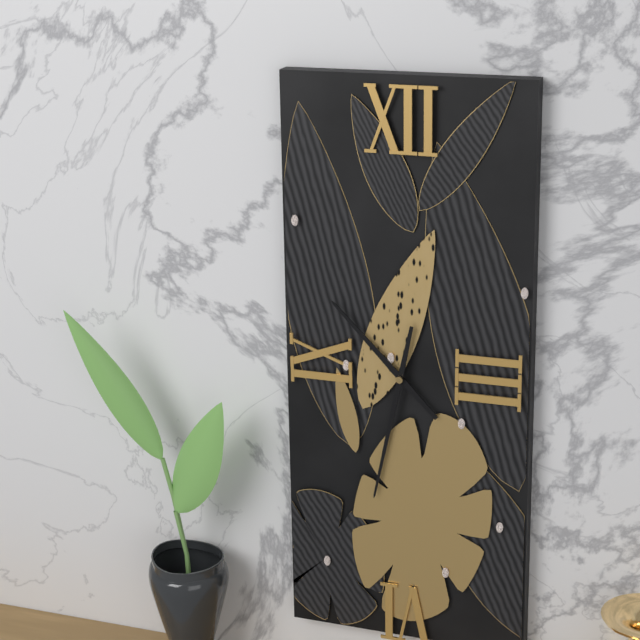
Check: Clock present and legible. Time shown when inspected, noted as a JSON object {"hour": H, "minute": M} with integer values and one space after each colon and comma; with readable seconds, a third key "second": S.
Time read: {"hour": 10, "minute": 32}
